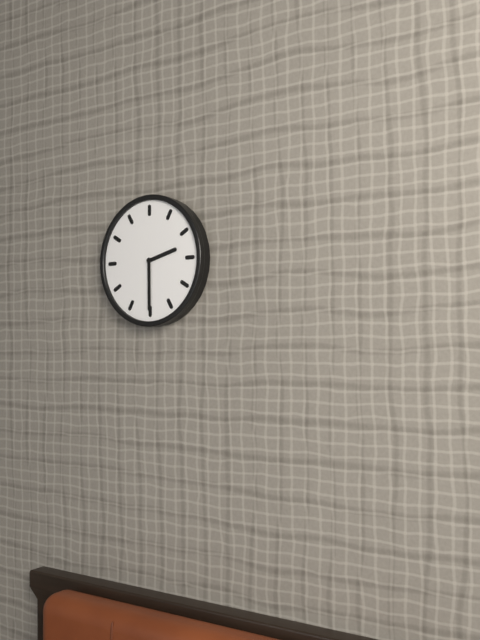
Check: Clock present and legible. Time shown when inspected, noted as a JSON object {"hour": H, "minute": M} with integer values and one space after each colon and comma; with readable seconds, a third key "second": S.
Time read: {"hour": 2, "minute": 30}
